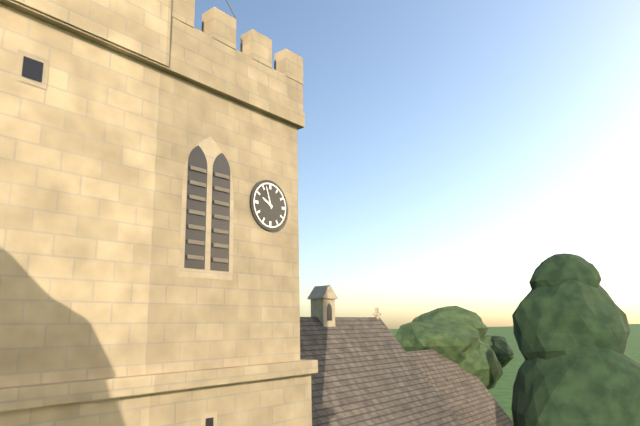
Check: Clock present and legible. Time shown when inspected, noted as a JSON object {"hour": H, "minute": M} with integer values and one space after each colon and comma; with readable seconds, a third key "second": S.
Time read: {"hour": 9, "minute": 57}
